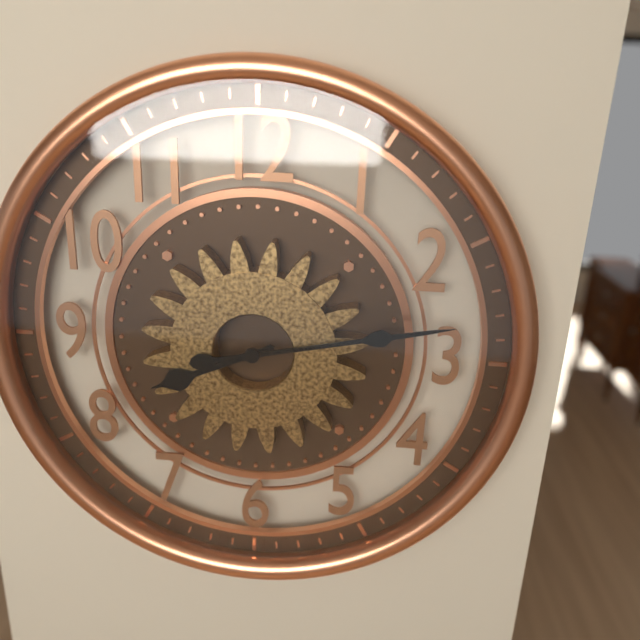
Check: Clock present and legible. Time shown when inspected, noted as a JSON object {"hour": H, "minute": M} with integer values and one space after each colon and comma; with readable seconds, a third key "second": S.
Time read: {"hour": 8, "minute": 13}
